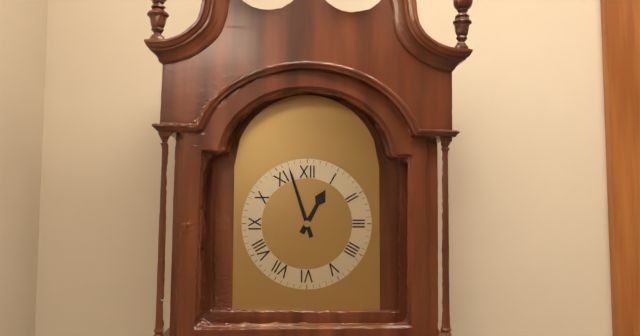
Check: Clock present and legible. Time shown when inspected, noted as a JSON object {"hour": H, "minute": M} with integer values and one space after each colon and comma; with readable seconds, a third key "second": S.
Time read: {"hour": 12, "minute": 57}
